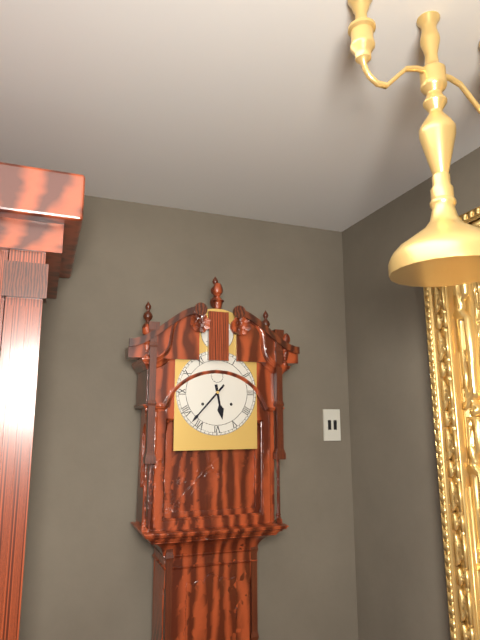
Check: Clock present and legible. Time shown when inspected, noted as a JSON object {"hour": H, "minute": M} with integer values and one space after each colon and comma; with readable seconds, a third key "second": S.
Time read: {"hour": 5, "minute": 37}
